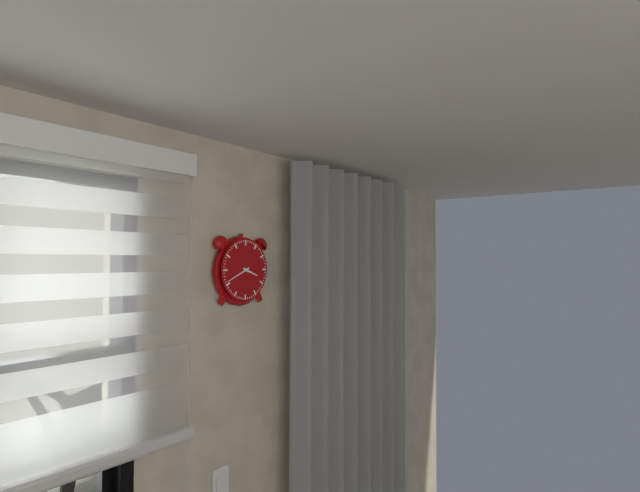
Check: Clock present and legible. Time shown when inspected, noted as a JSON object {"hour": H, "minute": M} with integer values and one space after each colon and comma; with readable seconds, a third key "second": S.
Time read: {"hour": 3, "minute": 41}
